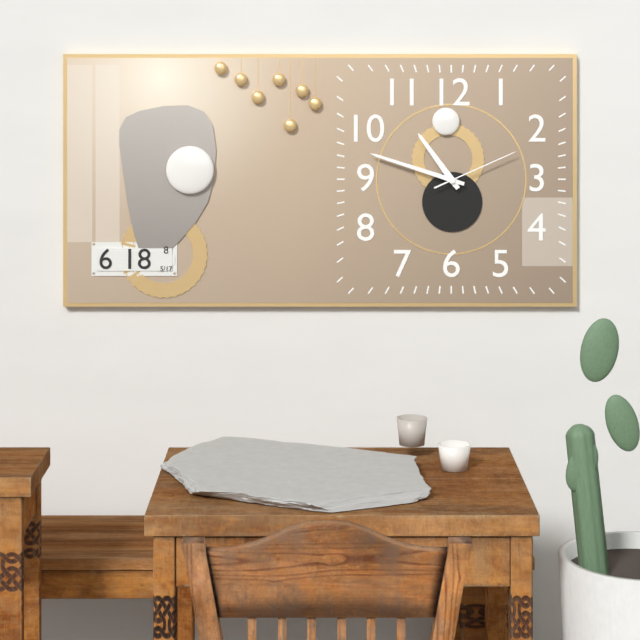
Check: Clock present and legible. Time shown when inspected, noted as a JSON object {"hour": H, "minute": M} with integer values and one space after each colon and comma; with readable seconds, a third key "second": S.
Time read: {"hour": 10, "minute": 48, "second": 11}
